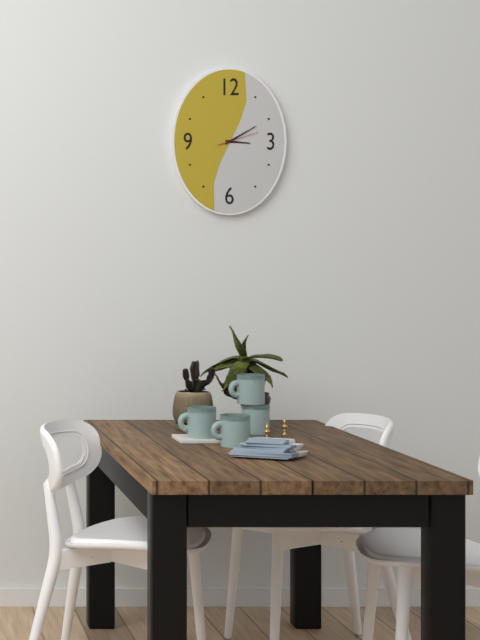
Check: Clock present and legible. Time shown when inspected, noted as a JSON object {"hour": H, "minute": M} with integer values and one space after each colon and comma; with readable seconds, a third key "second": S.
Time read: {"hour": 3, "minute": 10}
